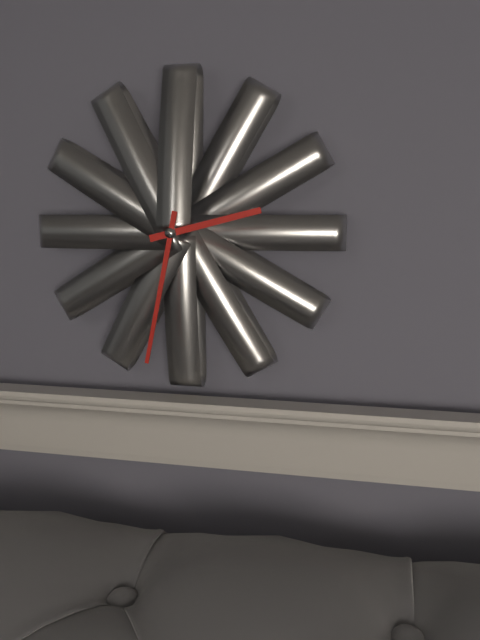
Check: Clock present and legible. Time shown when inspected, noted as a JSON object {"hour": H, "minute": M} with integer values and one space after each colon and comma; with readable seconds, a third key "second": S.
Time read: {"hour": 2, "minute": 32}
